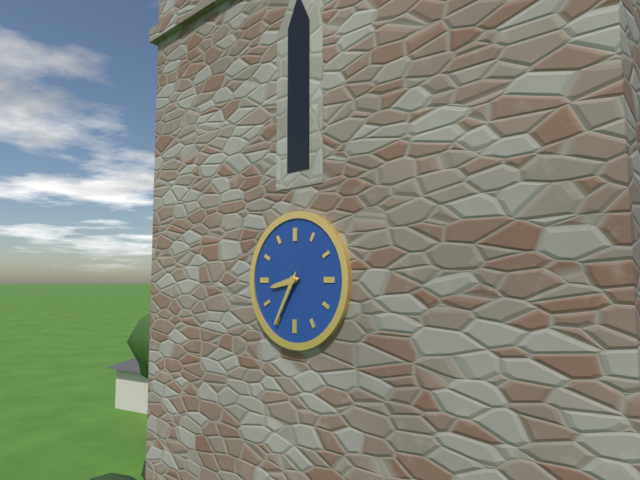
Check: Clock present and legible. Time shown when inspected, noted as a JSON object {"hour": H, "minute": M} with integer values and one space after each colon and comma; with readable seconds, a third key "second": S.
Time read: {"hour": 8, "minute": 35}
